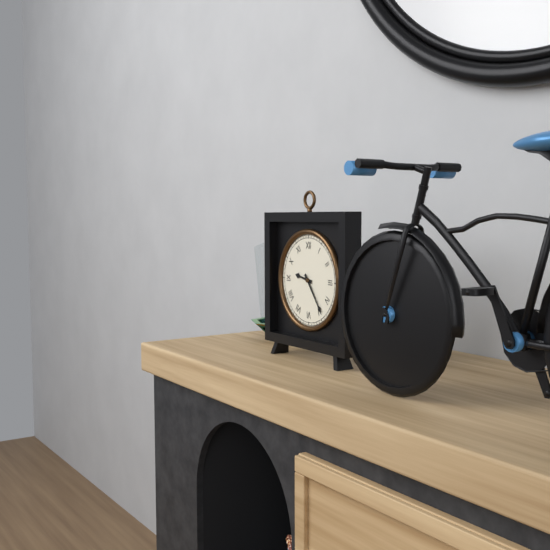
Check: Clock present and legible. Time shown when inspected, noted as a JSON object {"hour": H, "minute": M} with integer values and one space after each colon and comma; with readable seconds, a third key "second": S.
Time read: {"hour": 9, "minute": 24}
